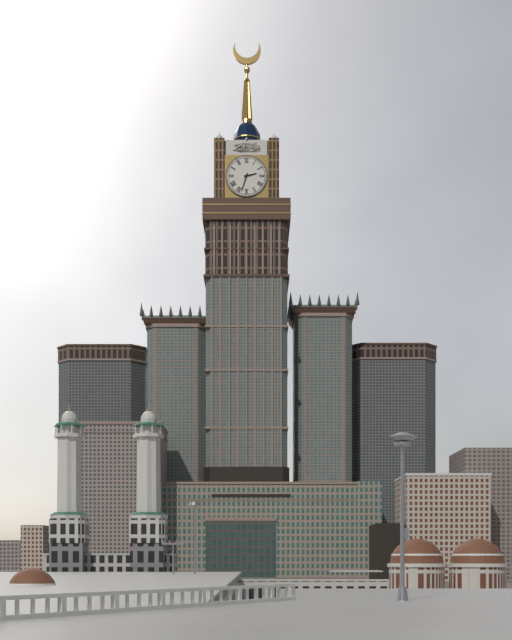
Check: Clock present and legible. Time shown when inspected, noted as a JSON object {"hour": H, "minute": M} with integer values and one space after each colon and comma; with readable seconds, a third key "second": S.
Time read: {"hour": 2, "minute": 33}
